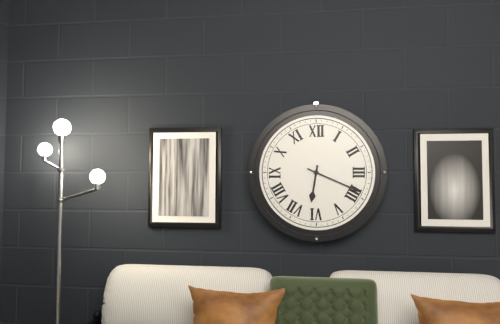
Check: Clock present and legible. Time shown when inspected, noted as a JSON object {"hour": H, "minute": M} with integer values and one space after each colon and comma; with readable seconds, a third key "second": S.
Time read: {"hour": 6, "minute": 19}
